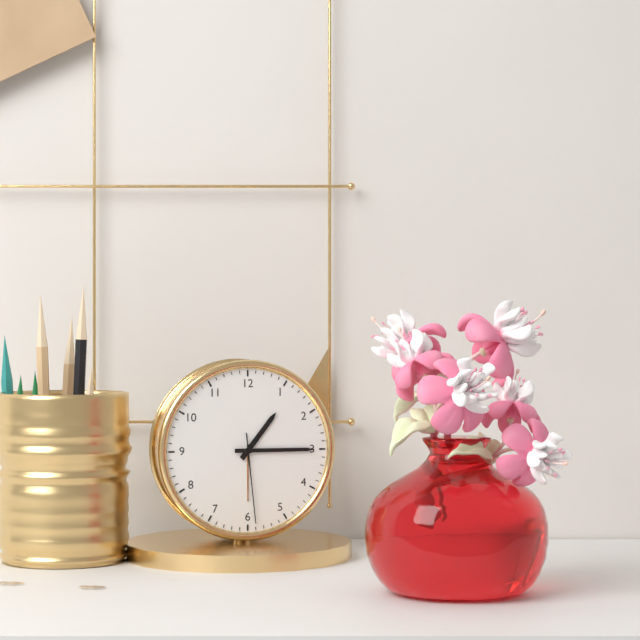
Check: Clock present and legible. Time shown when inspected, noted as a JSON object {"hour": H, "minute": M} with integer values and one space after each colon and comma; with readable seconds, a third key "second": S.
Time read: {"hour": 1, "minute": 15, "second": 29}
